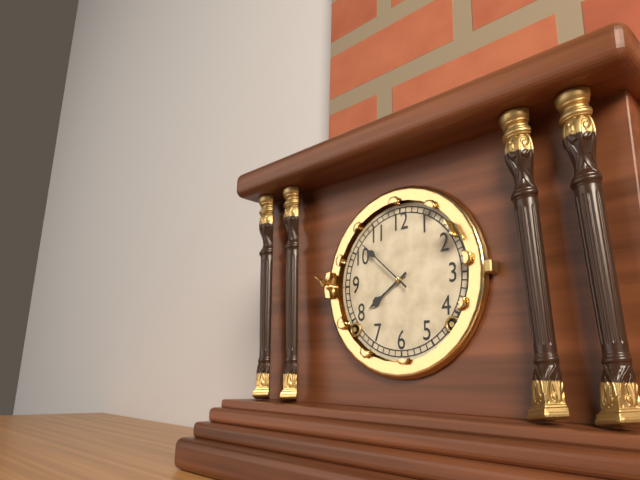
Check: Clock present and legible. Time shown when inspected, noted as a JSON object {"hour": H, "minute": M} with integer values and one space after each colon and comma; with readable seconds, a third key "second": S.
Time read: {"hour": 7, "minute": 52}
